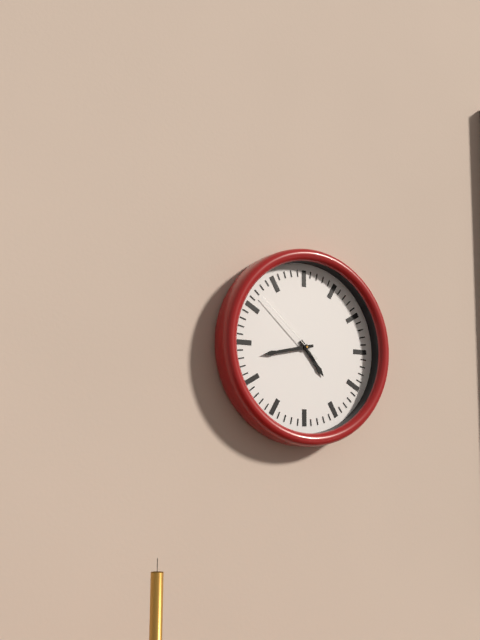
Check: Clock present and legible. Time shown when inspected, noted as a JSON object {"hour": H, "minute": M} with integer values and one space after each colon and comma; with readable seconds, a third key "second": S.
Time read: {"hour": 4, "minute": 43, "second": 52}
